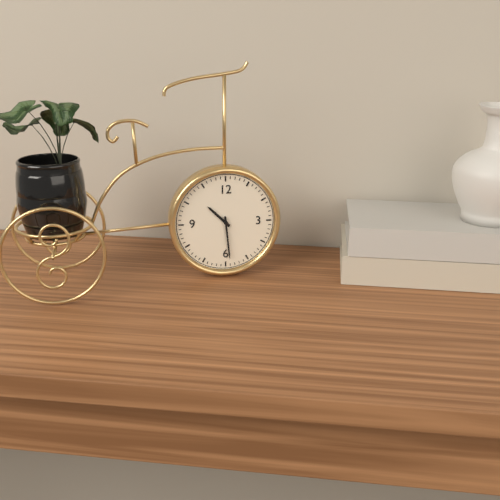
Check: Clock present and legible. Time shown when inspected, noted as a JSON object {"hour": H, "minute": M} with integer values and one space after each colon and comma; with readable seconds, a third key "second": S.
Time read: {"hour": 10, "minute": 29}
